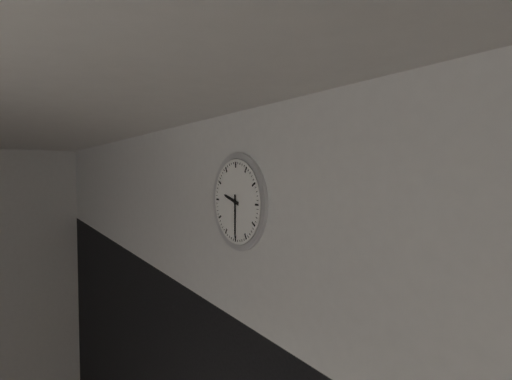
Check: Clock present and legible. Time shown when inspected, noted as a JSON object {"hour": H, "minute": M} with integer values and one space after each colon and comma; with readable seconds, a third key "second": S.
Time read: {"hour": 9, "minute": 30}
